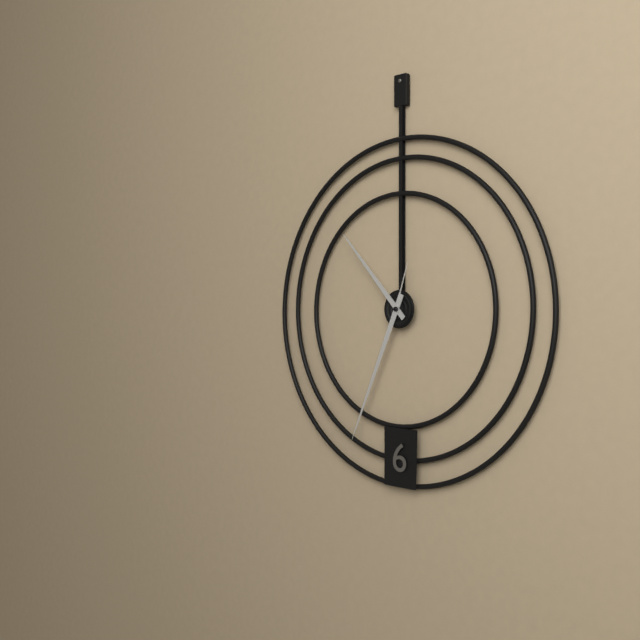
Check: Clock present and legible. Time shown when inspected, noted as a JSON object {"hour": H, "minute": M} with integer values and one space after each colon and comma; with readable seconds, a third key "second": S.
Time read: {"hour": 10, "minute": 34, "second": 3}
